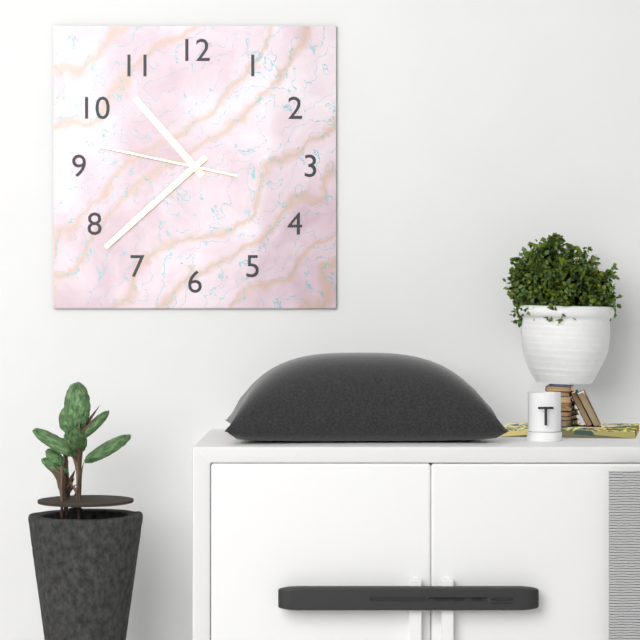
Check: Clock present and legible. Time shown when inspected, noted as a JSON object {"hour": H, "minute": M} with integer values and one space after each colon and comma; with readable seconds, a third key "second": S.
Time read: {"hour": 10, "minute": 38, "second": 47}
